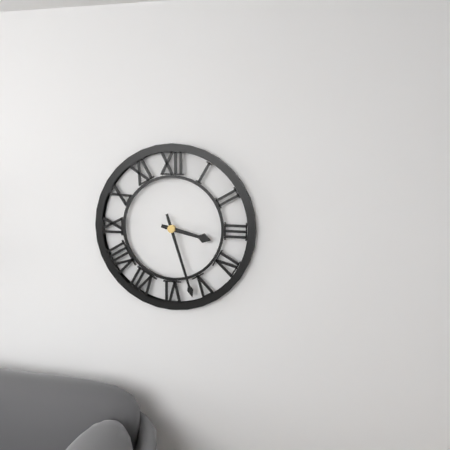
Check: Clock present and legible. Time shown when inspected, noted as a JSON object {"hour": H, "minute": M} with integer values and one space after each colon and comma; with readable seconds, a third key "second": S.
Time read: {"hour": 3, "minute": 27}
